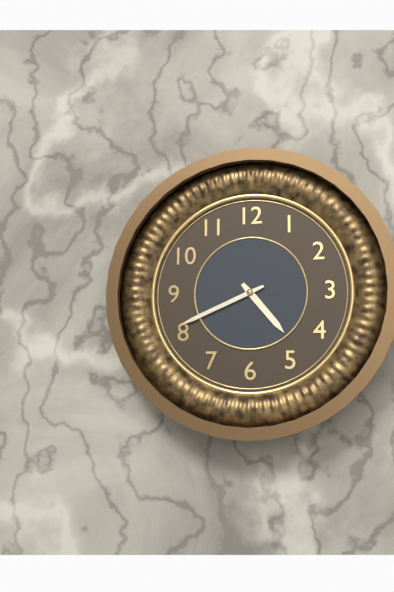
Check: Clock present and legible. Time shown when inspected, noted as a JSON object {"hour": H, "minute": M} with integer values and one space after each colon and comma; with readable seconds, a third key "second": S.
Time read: {"hour": 4, "minute": 41}
